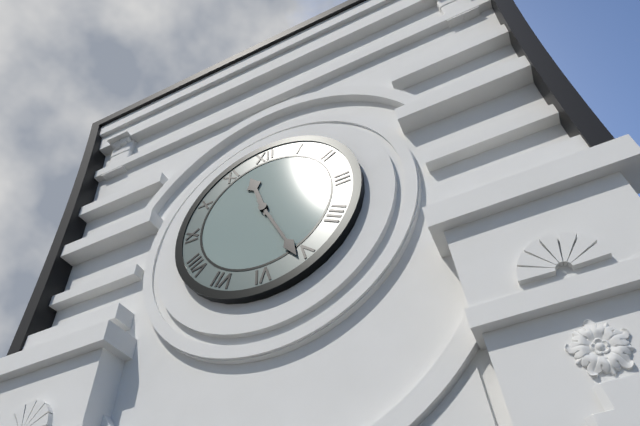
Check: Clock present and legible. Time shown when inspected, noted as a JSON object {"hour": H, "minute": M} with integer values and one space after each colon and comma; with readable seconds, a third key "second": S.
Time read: {"hour": 11, "minute": 26}
